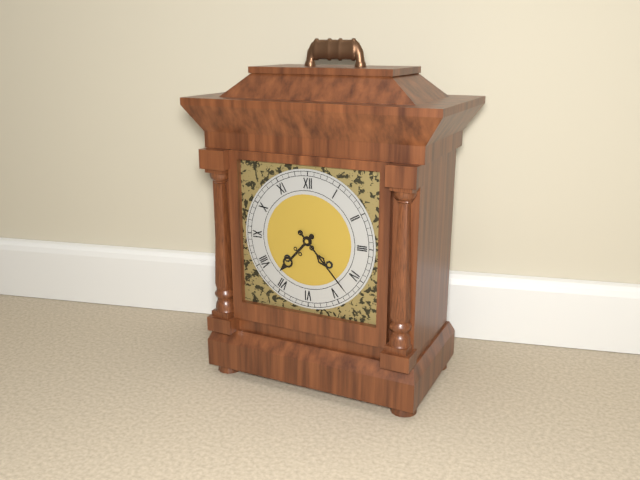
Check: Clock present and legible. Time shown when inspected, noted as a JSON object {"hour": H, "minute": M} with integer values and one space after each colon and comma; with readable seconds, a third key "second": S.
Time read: {"hour": 7, "minute": 23}
